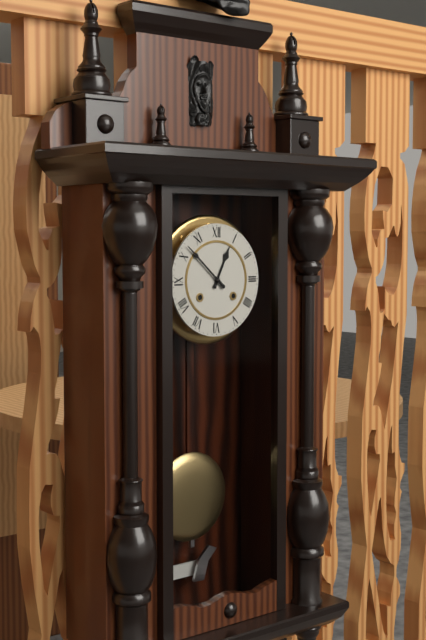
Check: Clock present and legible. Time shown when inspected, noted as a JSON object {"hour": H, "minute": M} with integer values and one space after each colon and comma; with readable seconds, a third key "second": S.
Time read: {"hour": 12, "minute": 52}
